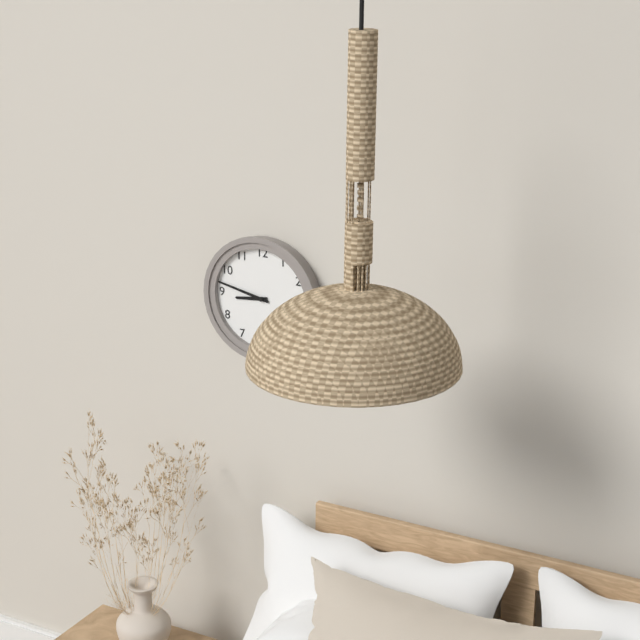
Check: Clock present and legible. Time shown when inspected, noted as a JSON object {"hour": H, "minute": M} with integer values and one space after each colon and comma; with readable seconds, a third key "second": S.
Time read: {"hour": 8, "minute": 47}
